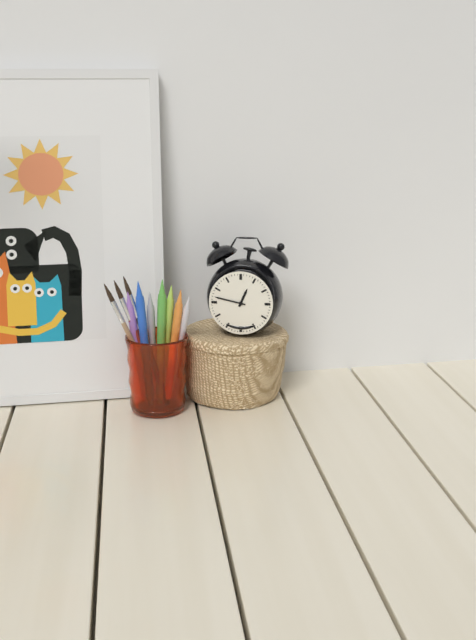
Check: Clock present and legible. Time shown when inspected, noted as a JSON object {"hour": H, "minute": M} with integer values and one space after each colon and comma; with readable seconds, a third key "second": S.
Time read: {"hour": 12, "minute": 47}
